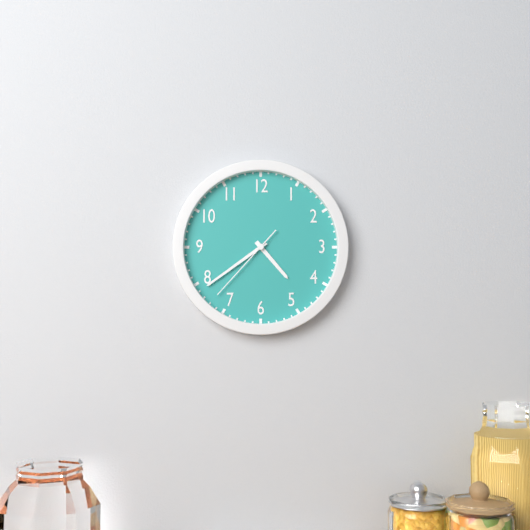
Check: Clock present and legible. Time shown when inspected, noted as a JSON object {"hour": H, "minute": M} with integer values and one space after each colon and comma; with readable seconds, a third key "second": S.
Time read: {"hour": 4, "minute": 39, "second": 37}
